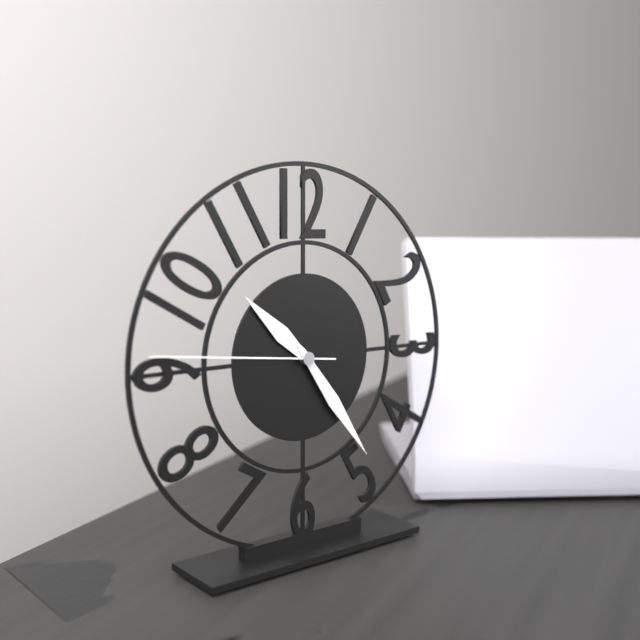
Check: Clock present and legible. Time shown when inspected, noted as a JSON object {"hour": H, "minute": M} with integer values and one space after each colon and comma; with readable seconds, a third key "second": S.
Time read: {"hour": 10, "minute": 24, "second": 46}
